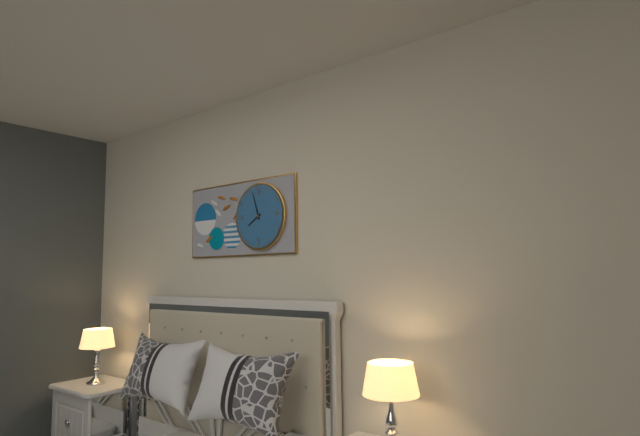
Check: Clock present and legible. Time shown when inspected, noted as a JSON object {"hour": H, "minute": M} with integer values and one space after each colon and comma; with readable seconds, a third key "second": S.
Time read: {"hour": 7, "minute": 57}
